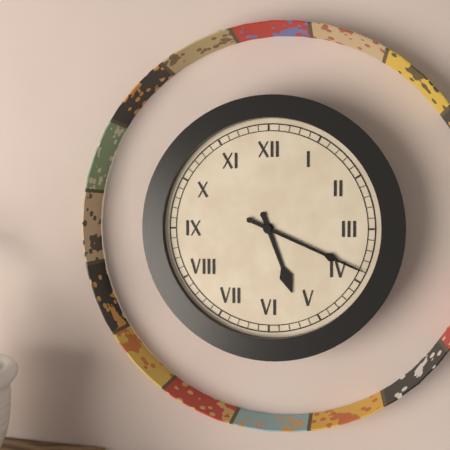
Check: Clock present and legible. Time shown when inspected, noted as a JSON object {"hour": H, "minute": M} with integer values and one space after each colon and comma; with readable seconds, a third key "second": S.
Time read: {"hour": 5, "minute": 19}
